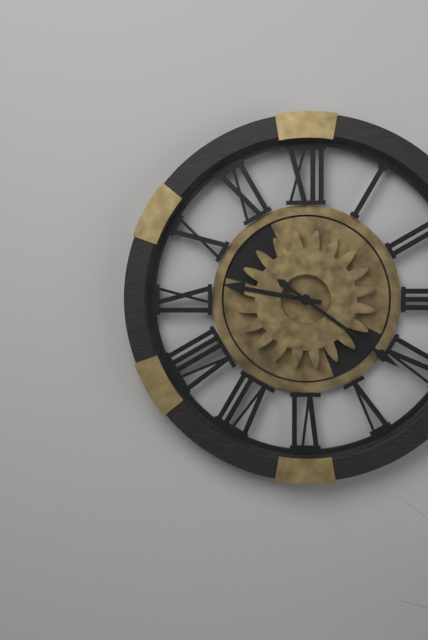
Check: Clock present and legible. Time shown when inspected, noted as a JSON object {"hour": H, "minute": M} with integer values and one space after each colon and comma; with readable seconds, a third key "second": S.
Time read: {"hour": 9, "minute": 21}
